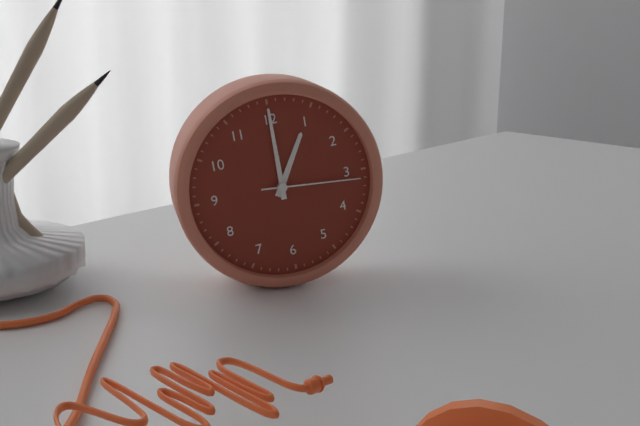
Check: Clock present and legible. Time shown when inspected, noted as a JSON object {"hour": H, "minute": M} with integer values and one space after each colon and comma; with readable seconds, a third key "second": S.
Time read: {"hour": 1, "minute": 0, "second": 16}
